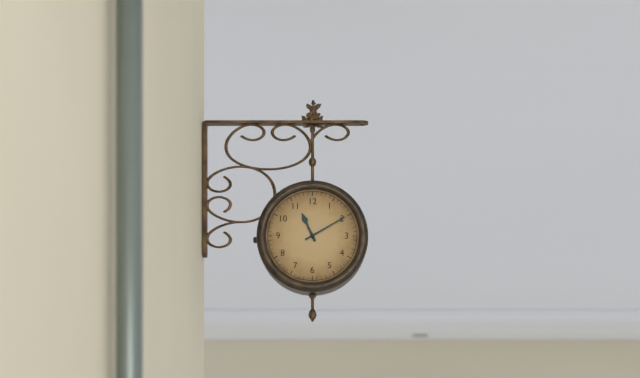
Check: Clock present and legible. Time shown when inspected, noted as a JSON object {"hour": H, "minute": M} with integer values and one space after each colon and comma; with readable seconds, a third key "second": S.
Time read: {"hour": 11, "minute": 10}
